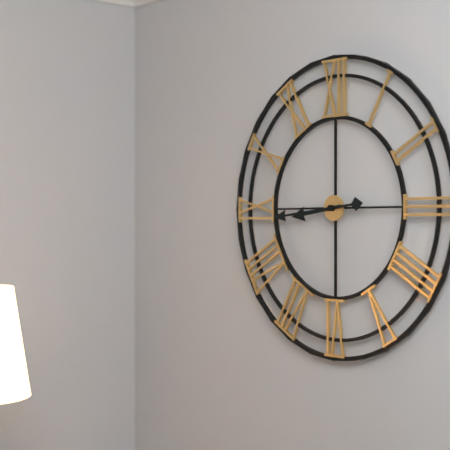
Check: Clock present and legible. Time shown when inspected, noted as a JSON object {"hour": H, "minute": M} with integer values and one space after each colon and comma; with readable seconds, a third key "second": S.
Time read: {"hour": 8, "minute": 44}
